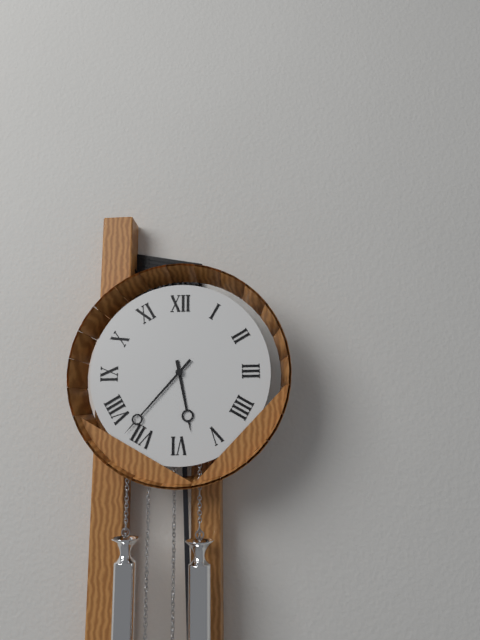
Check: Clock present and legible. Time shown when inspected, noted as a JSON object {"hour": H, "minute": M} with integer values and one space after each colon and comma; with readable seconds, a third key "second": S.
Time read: {"hour": 5, "minute": 37}
